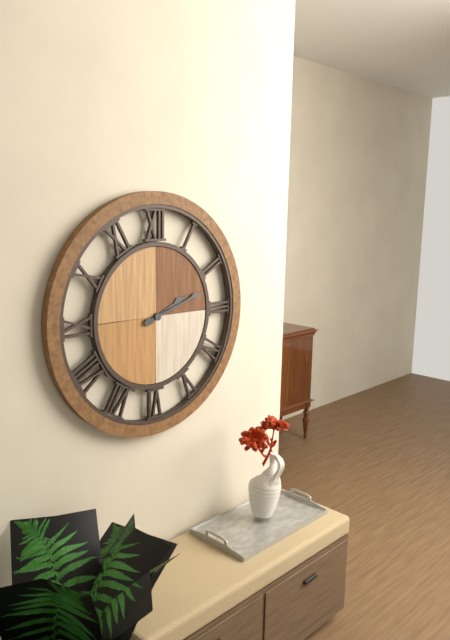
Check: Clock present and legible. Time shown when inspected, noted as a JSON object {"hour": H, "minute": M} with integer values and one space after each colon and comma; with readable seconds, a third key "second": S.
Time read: {"hour": 2, "minute": 12}
